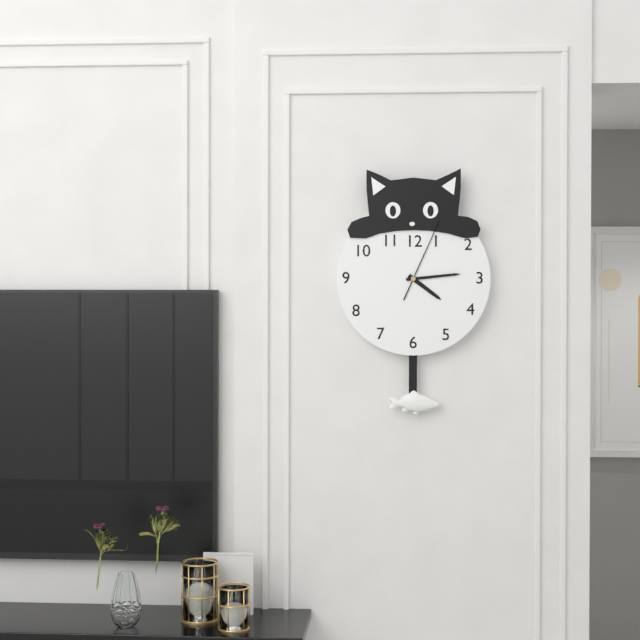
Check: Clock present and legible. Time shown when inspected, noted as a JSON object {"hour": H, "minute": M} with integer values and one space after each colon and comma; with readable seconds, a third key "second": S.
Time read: {"hour": 4, "minute": 14, "second": 4}
